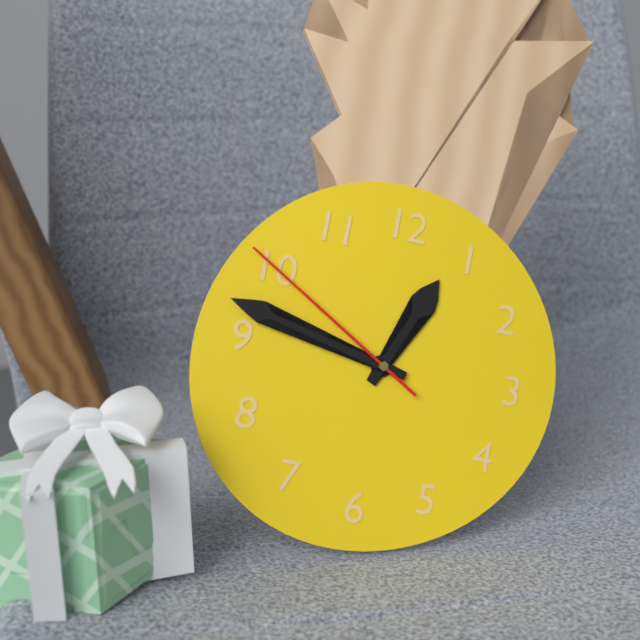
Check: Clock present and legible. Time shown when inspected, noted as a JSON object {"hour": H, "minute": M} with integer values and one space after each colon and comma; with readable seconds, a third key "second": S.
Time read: {"hour": 12, "minute": 47, "second": 50}
